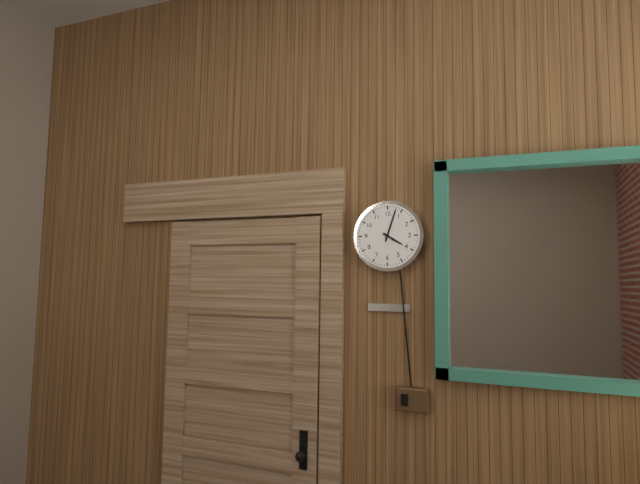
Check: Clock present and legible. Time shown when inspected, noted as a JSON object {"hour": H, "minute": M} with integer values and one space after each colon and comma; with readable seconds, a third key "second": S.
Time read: {"hour": 4, "minute": 3}
